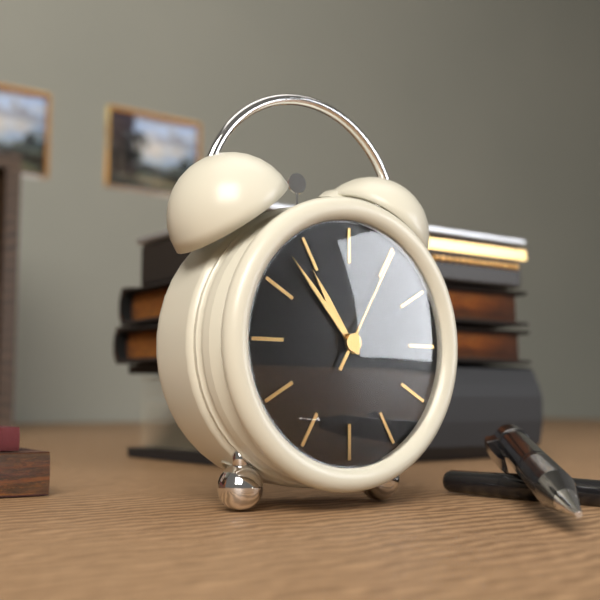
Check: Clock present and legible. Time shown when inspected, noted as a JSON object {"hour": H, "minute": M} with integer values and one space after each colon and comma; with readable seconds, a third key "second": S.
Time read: {"hour": 10, "minute": 53, "second": 5}
